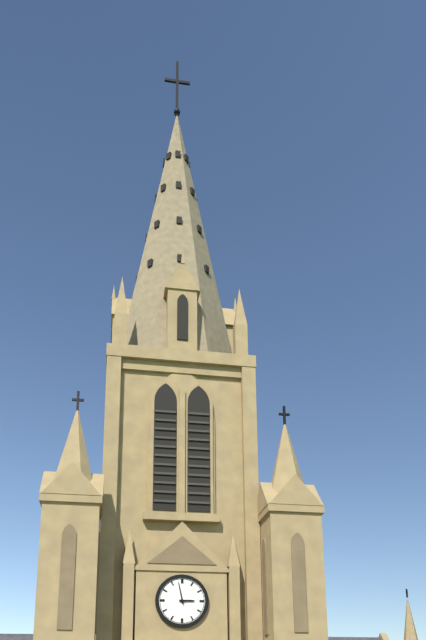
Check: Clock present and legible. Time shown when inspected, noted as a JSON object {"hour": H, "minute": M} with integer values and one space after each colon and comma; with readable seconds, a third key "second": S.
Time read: {"hour": 2, "minute": 58}
